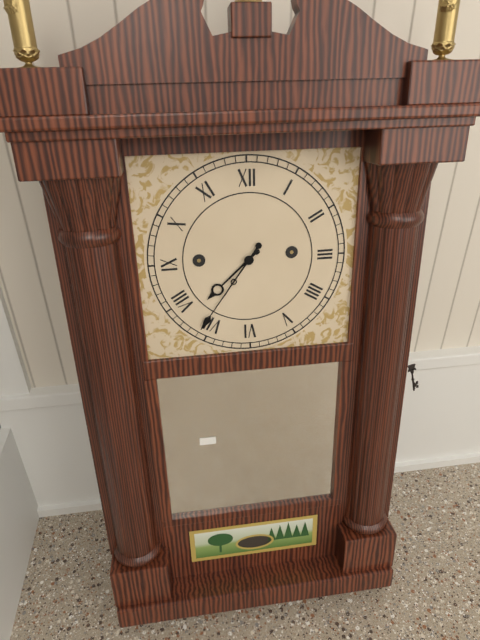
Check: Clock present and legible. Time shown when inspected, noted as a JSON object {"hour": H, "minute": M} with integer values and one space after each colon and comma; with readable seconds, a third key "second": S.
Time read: {"hour": 7, "minute": 36}
